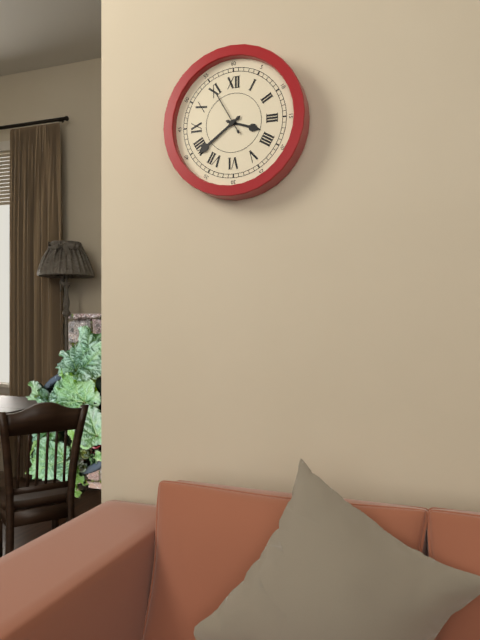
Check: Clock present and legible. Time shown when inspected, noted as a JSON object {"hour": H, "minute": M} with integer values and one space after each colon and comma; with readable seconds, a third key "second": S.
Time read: {"hour": 3, "minute": 39}
